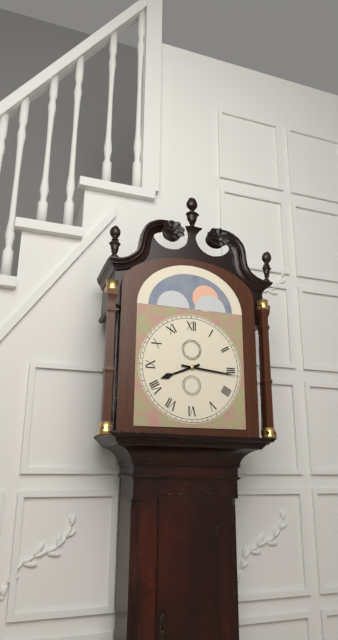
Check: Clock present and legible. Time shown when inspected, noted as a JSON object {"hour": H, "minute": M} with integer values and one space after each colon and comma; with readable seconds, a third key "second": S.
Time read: {"hour": 8, "minute": 16}
